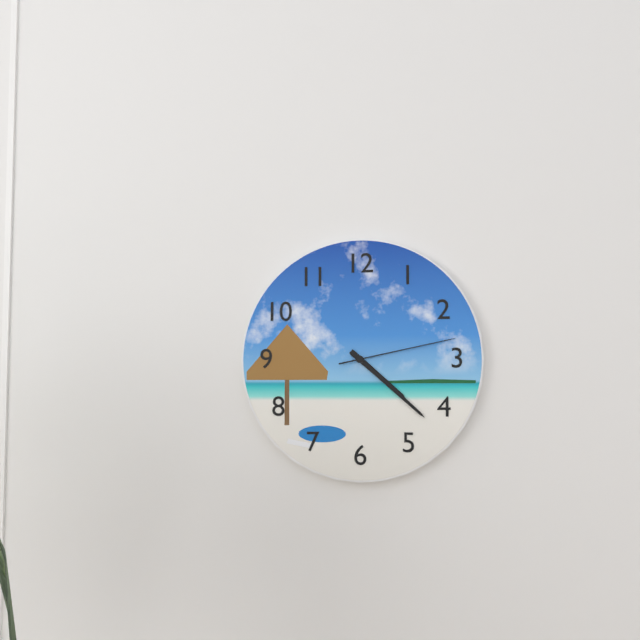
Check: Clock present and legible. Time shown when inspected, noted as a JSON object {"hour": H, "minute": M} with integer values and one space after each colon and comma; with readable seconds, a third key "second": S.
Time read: {"hour": 4, "minute": 22, "second": 13}
